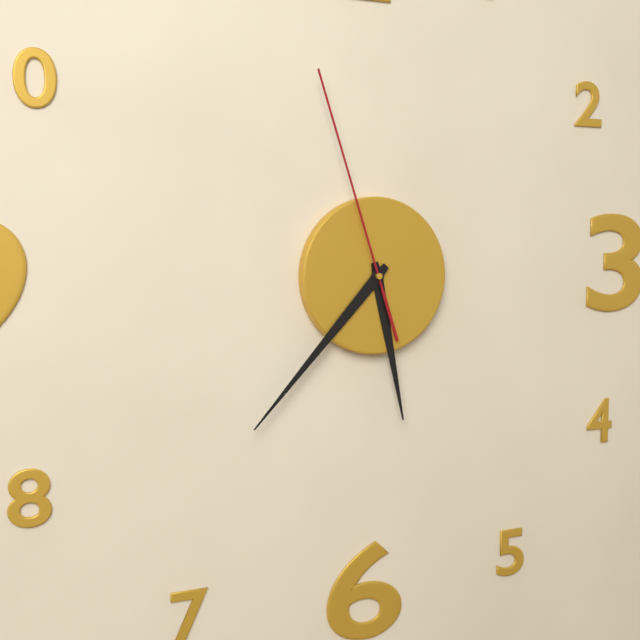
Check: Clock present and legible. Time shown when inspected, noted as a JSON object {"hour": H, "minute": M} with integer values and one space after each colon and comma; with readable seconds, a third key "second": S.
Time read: {"hour": 5, "minute": 37, "second": 57}
